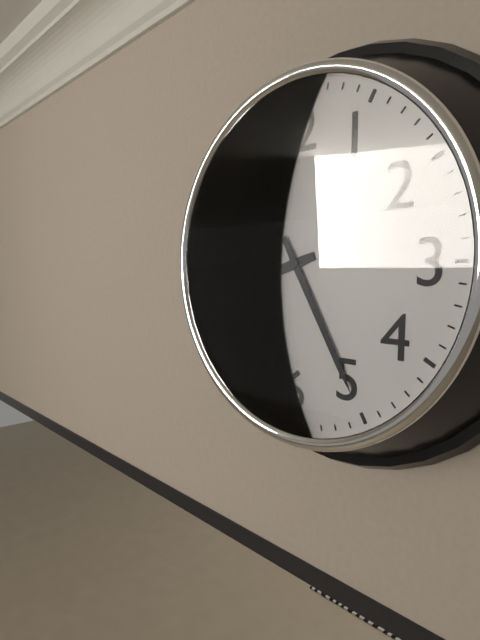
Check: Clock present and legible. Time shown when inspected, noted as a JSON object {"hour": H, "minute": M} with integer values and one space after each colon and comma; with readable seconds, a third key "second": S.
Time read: {"hour": 8, "minute": 25}
